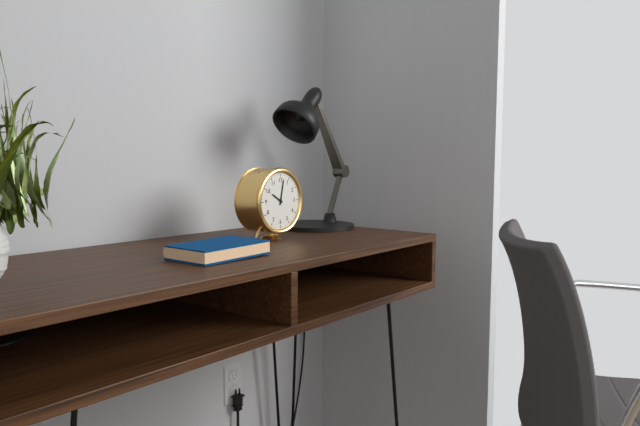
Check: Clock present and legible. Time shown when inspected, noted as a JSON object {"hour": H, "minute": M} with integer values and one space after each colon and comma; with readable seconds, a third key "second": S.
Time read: {"hour": 10, "minute": 2}
